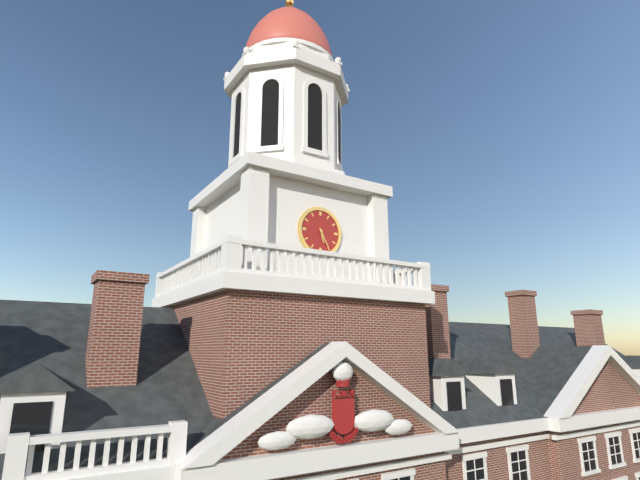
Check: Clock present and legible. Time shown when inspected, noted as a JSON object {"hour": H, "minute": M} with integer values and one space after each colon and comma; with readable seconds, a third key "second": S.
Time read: {"hour": 5, "minute": 25}
